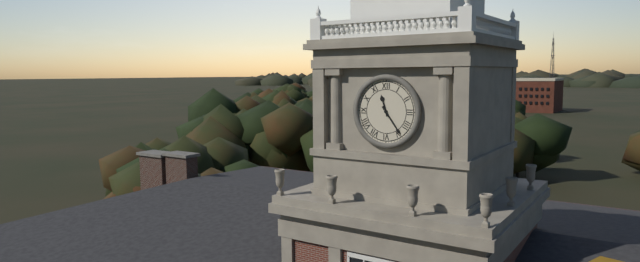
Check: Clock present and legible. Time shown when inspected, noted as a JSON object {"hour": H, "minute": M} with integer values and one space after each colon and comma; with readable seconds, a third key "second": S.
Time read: {"hour": 11, "minute": 24}
